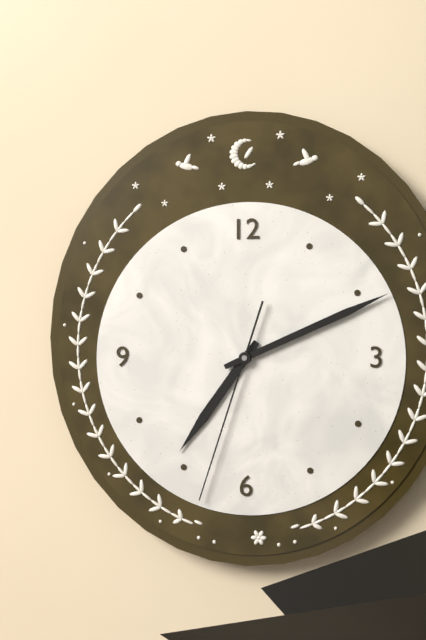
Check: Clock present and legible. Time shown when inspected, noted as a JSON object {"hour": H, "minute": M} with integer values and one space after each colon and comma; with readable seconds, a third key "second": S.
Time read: {"hour": 7, "minute": 11, "second": 33}
